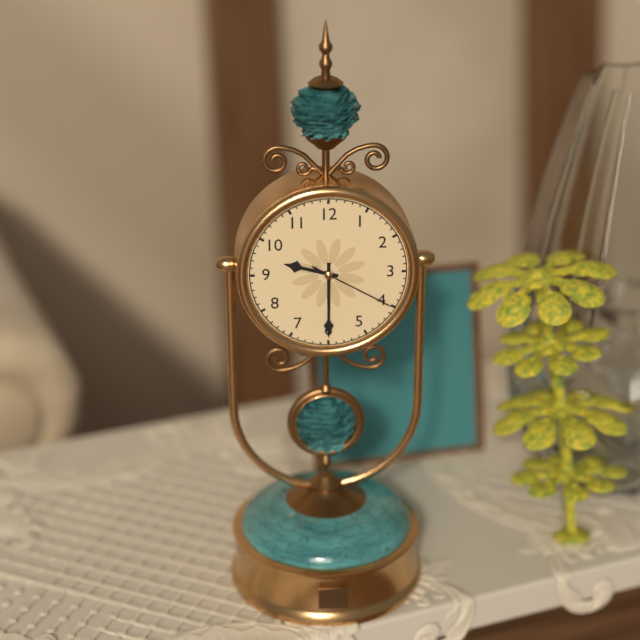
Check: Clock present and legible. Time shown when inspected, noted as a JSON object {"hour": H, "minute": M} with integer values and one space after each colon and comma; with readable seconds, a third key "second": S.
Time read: {"hour": 9, "minute": 30, "second": 20}
